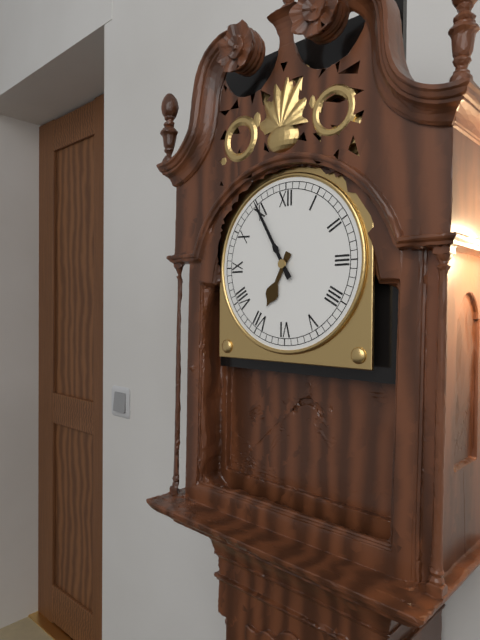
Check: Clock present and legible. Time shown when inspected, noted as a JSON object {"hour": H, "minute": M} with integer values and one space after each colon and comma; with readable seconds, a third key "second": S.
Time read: {"hour": 6, "minute": 55}
